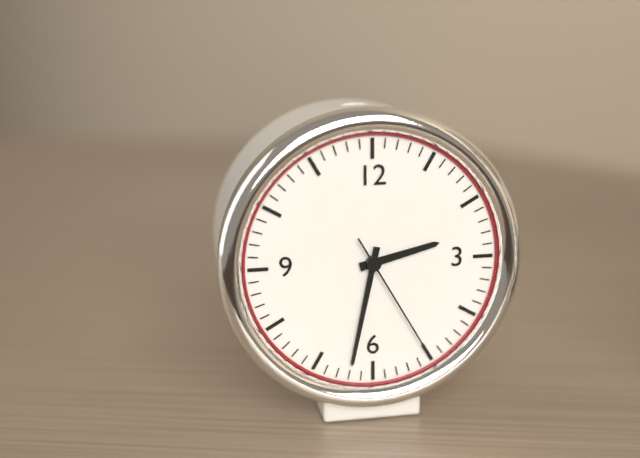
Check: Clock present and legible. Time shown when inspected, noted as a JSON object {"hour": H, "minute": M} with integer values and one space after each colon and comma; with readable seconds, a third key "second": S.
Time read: {"hour": 2, "minute": 32, "second": 25}
